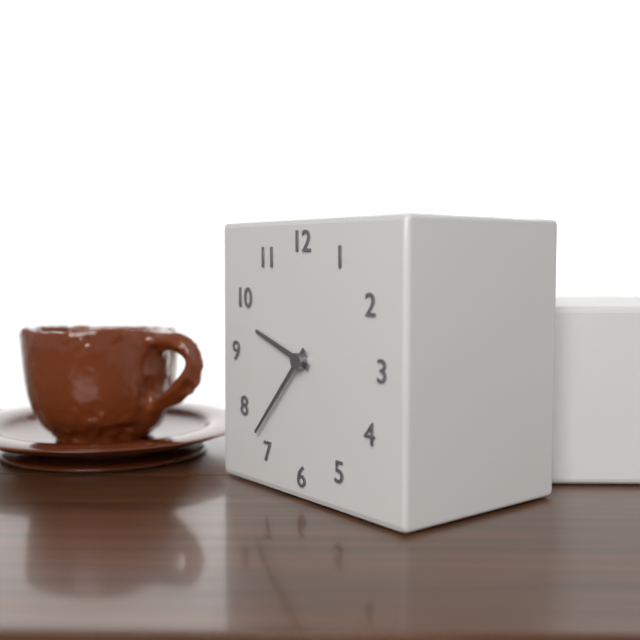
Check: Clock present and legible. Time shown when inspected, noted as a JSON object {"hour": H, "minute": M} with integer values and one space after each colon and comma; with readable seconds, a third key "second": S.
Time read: {"hour": 9, "minute": 37}
